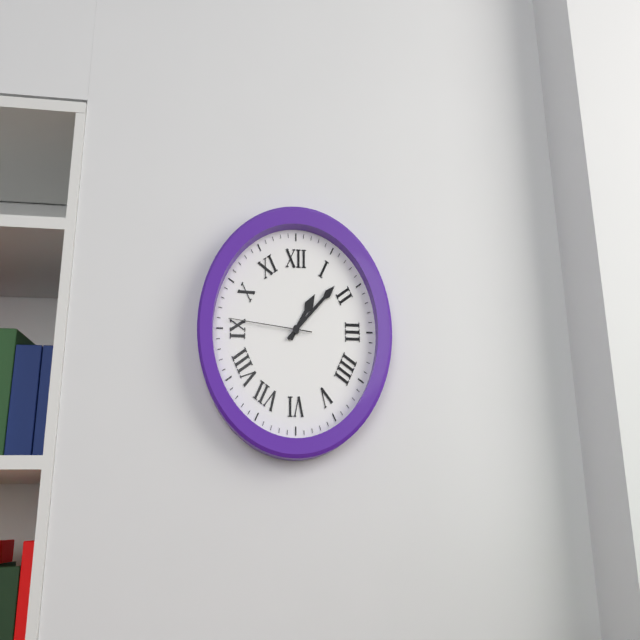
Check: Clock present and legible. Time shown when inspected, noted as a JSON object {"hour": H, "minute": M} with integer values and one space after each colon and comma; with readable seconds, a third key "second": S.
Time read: {"hour": 1, "minute": 8, "second": 46}
